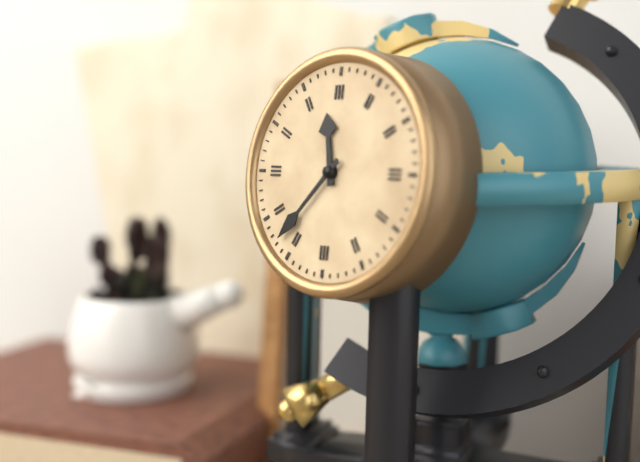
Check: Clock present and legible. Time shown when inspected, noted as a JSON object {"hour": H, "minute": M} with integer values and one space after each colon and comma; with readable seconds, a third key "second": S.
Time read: {"hour": 11, "minute": 37}
